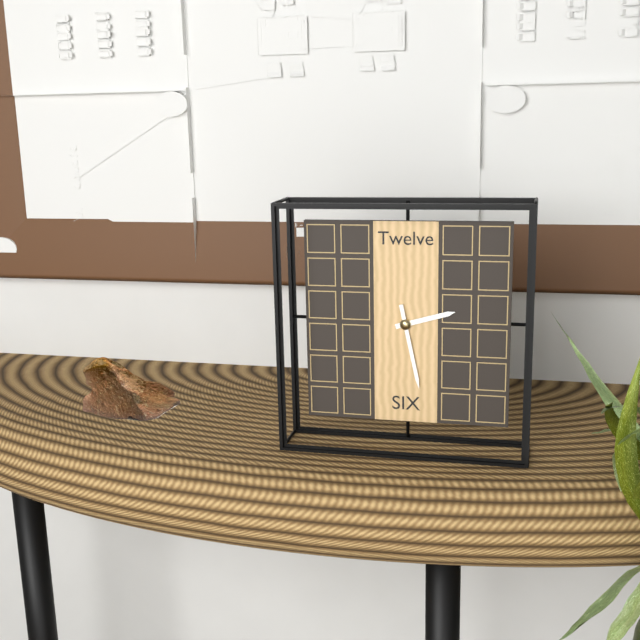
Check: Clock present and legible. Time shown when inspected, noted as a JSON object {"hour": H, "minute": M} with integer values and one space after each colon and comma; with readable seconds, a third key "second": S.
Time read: {"hour": 2, "minute": 28}
